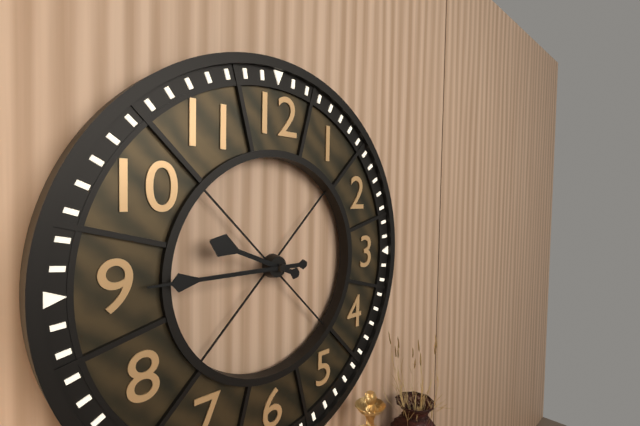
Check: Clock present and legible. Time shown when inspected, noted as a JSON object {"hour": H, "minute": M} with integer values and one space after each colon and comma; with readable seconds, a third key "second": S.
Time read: {"hour": 9, "minute": 45}
